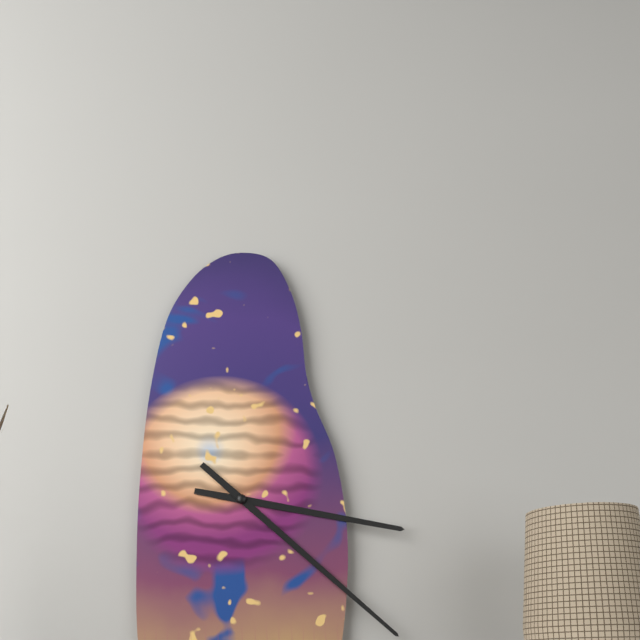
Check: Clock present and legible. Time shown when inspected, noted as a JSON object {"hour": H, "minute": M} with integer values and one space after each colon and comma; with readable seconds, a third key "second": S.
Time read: {"hour": 3, "minute": 22}
